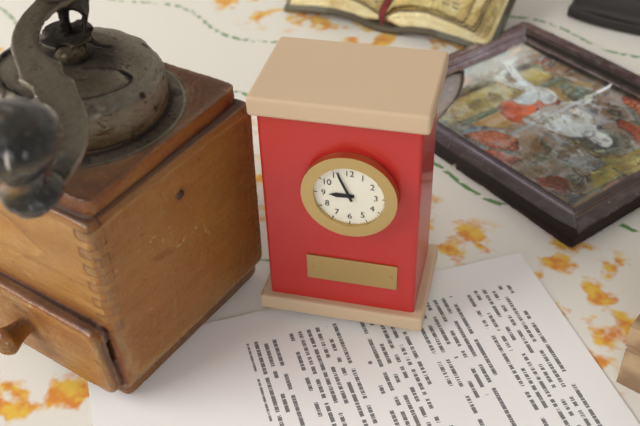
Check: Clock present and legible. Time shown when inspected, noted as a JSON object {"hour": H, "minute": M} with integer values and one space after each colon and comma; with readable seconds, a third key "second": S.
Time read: {"hour": 8, "minute": 56}
